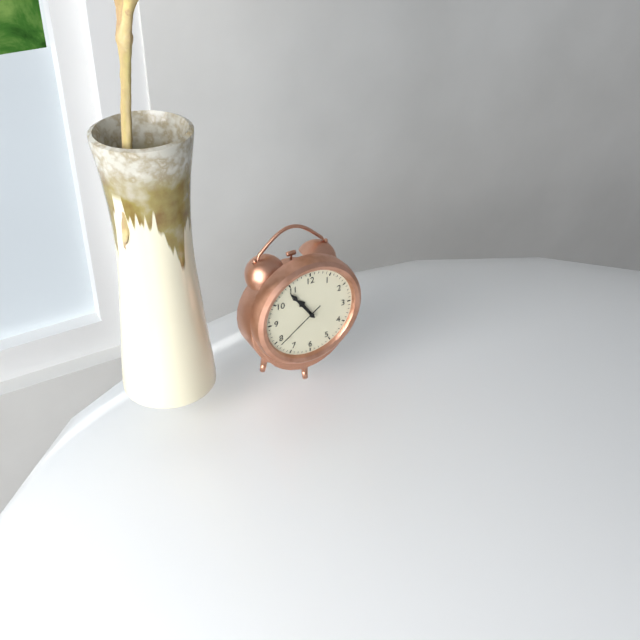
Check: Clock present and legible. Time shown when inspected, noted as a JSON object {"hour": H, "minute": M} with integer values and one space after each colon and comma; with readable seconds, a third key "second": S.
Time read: {"hour": 10, "minute": 54, "second": 39}
